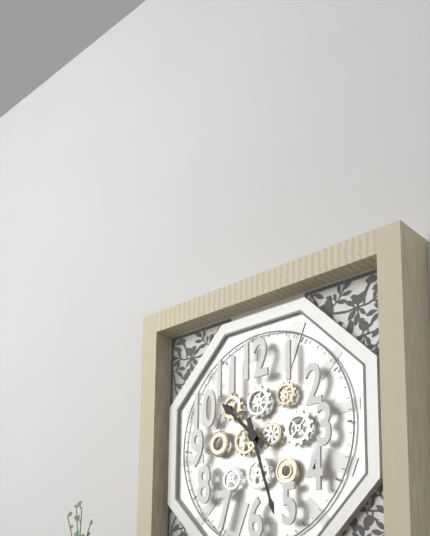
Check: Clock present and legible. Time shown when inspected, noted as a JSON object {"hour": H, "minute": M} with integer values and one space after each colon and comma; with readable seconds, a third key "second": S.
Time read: {"hour": 10, "minute": 27}
